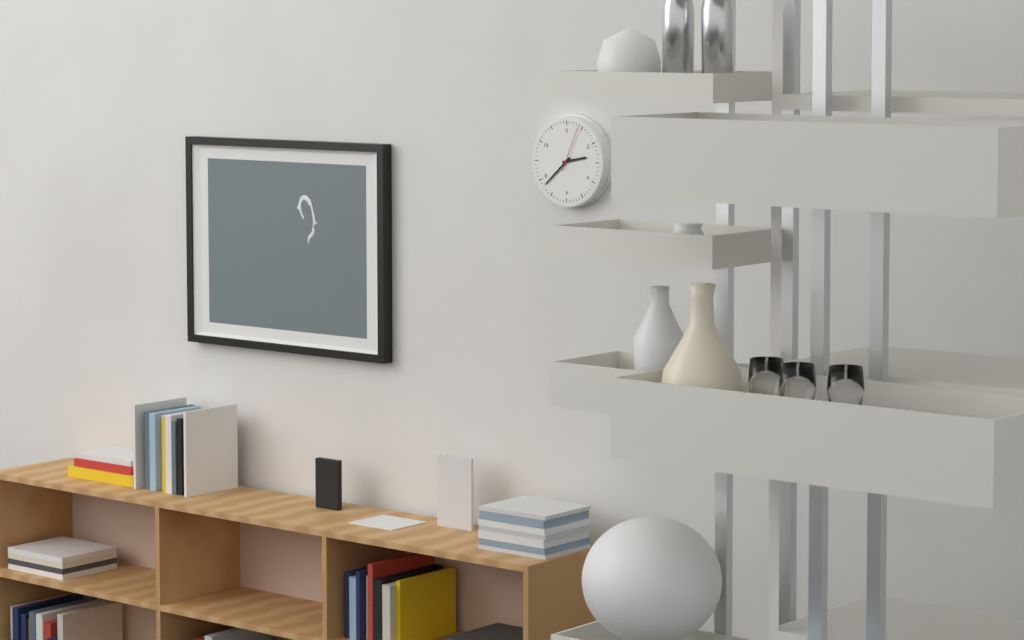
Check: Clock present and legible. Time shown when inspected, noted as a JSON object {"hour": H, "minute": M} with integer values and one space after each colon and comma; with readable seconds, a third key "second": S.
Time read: {"hour": 2, "minute": 38}
